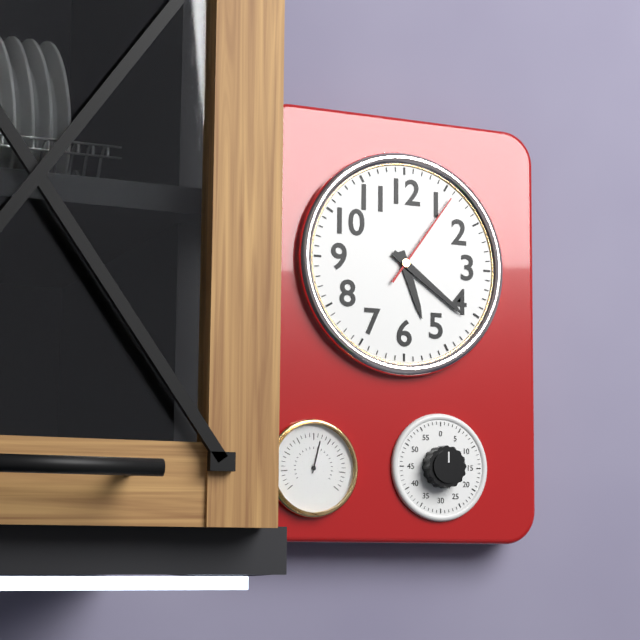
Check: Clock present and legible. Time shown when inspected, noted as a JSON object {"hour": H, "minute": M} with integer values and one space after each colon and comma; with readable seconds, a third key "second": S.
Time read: {"hour": 5, "minute": 21, "second": 6}
